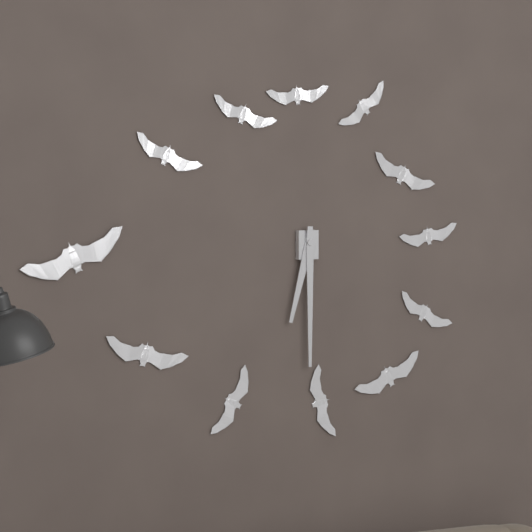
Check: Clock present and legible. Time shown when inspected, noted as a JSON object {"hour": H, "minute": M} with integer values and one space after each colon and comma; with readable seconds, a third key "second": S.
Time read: {"hour": 6, "minute": 30}
